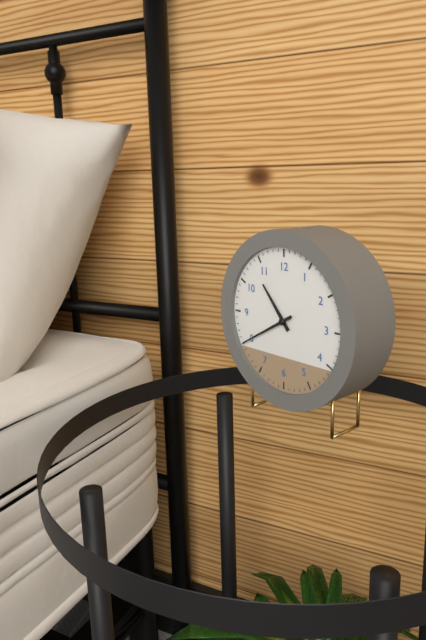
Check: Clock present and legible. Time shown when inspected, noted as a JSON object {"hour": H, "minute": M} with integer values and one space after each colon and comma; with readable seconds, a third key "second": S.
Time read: {"hour": 10, "minute": 40}
